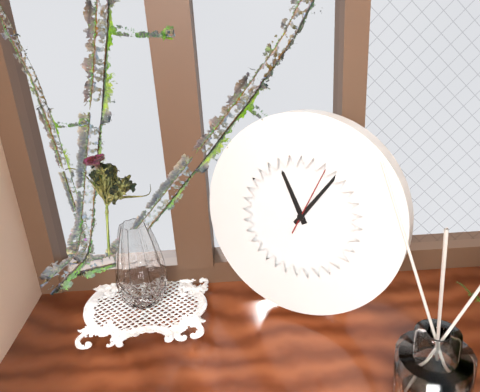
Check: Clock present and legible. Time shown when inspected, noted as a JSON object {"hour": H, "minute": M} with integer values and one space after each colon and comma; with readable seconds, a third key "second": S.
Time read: {"hour": 11, "minute": 6}
